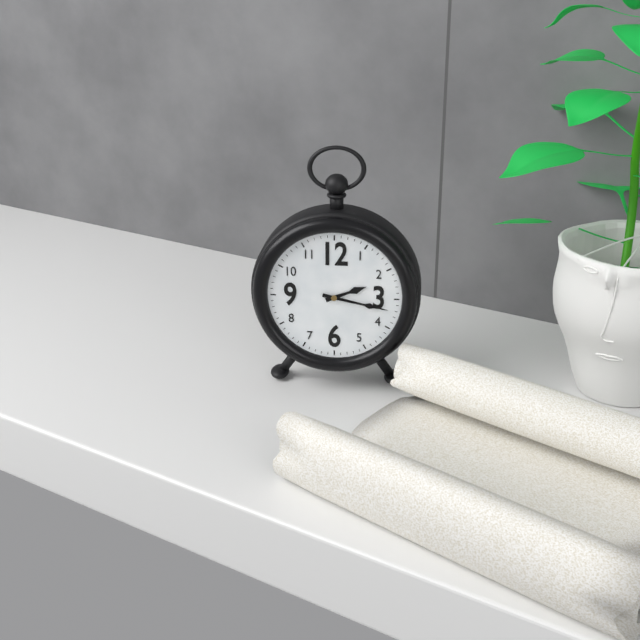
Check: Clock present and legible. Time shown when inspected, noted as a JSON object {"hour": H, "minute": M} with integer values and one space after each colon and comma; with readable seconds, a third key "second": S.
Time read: {"hour": 2, "minute": 17}
